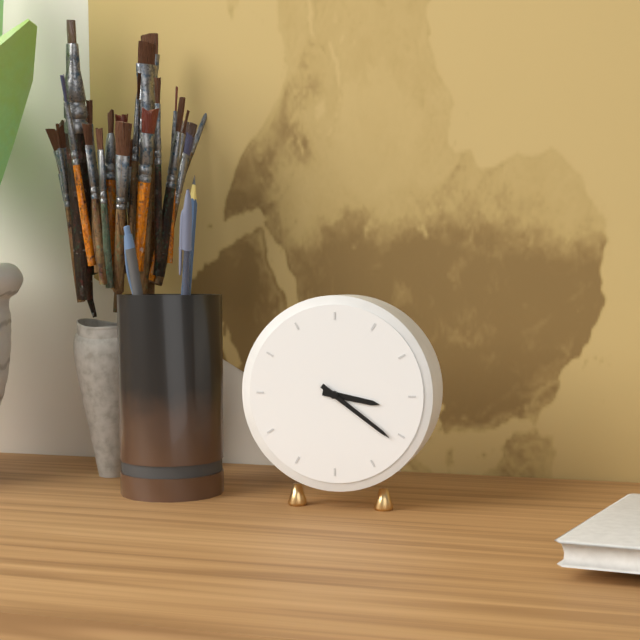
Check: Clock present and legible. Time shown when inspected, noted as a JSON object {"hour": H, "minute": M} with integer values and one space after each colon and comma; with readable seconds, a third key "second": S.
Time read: {"hour": 3, "minute": 21}
